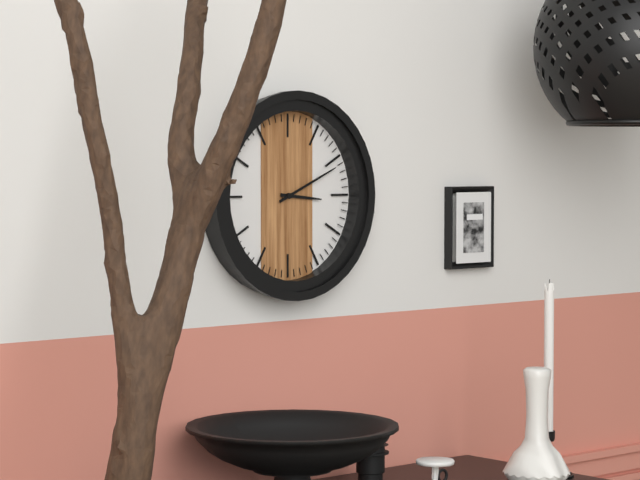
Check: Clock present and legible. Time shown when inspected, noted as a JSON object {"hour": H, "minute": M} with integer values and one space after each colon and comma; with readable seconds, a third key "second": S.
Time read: {"hour": 3, "minute": 11}
